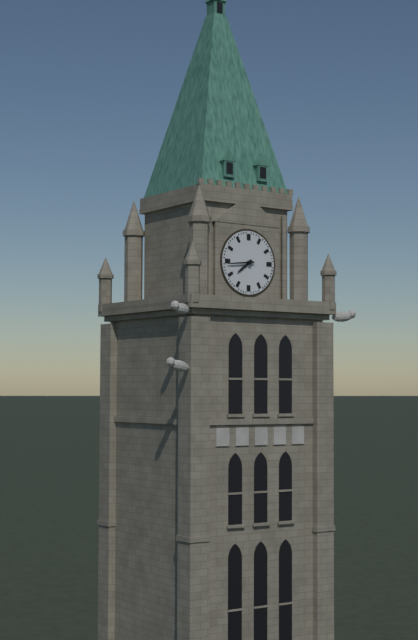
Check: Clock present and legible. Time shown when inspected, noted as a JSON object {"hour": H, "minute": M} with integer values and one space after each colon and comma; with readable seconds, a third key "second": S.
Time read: {"hour": 7, "minute": 44}
